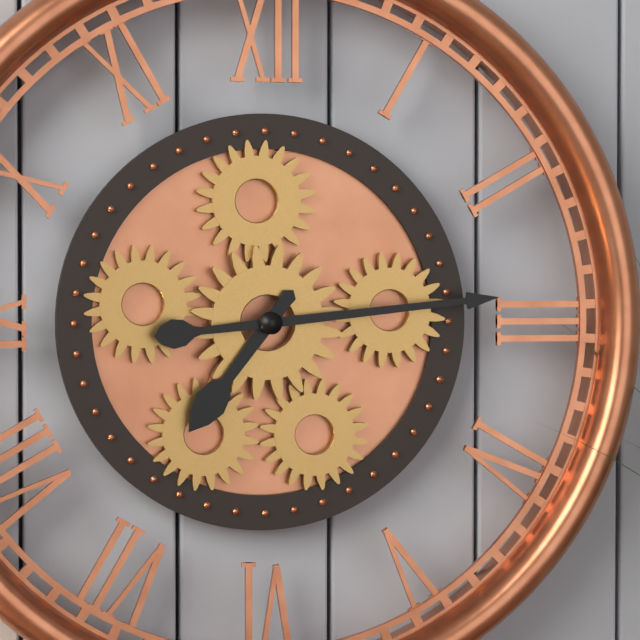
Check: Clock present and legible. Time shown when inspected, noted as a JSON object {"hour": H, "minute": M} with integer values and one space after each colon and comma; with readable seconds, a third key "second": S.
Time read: {"hour": 7, "minute": 14}
